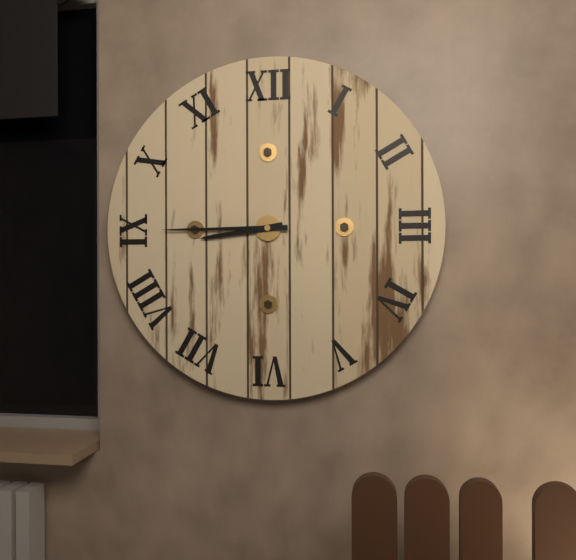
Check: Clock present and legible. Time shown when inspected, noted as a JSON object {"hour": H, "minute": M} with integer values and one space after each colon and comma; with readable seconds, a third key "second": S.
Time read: {"hour": 8, "minute": 45}
